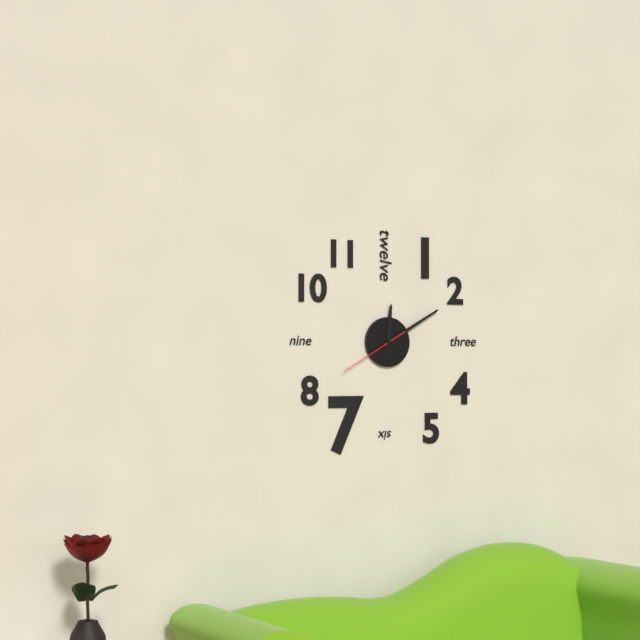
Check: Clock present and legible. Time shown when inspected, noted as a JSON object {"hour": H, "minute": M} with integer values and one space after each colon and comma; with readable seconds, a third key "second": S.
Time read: {"hour": 12, "minute": 10, "second": 40}
